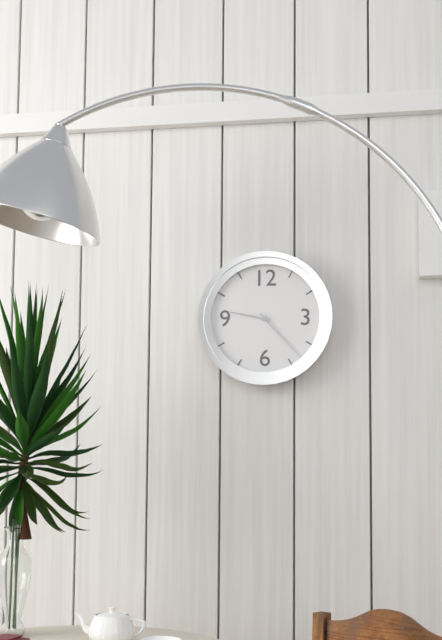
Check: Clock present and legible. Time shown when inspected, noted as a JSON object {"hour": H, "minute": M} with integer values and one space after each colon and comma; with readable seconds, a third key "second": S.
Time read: {"hour": 9, "minute": 23}
